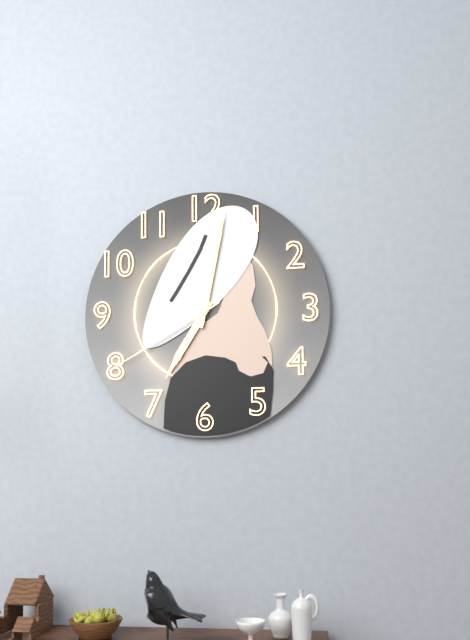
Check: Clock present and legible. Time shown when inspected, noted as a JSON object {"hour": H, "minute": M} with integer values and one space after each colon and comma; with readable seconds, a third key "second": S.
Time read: {"hour": 7, "minute": 2, "second": 40}
